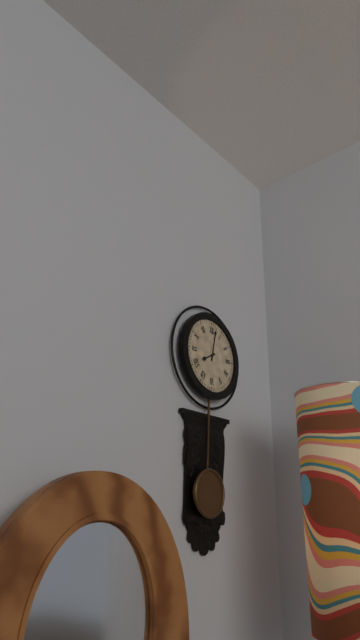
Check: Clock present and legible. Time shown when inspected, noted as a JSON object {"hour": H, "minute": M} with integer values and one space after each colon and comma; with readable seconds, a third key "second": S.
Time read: {"hour": 8, "minute": 2}
